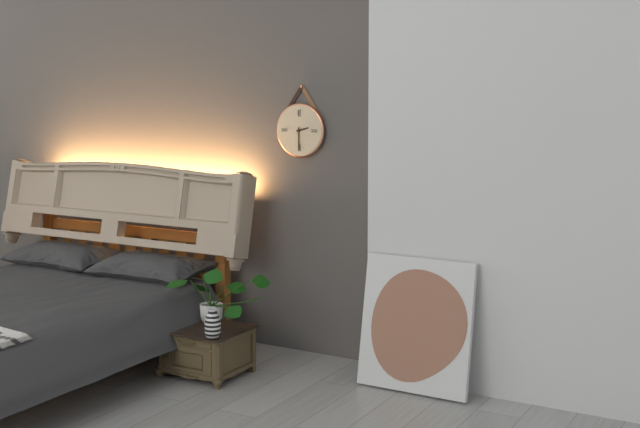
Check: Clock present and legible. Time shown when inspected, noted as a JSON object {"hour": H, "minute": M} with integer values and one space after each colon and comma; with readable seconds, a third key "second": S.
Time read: {"hour": 2, "minute": 30}
